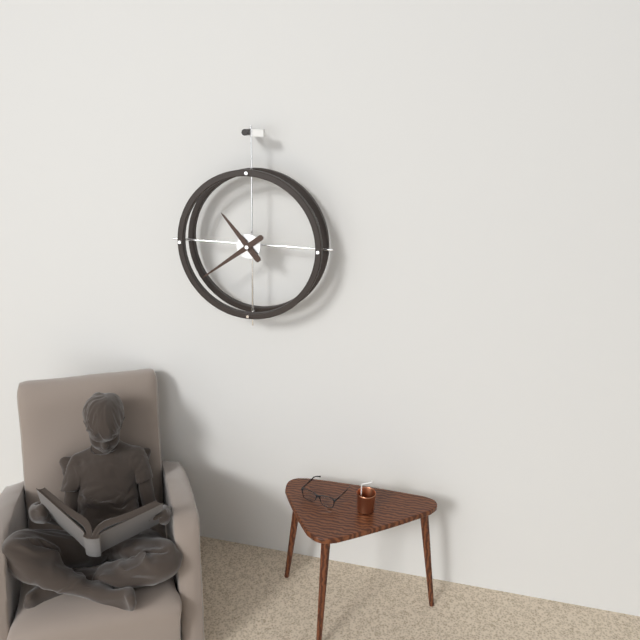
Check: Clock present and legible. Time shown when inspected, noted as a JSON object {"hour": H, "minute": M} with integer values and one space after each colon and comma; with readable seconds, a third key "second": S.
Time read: {"hour": 10, "minute": 39}
